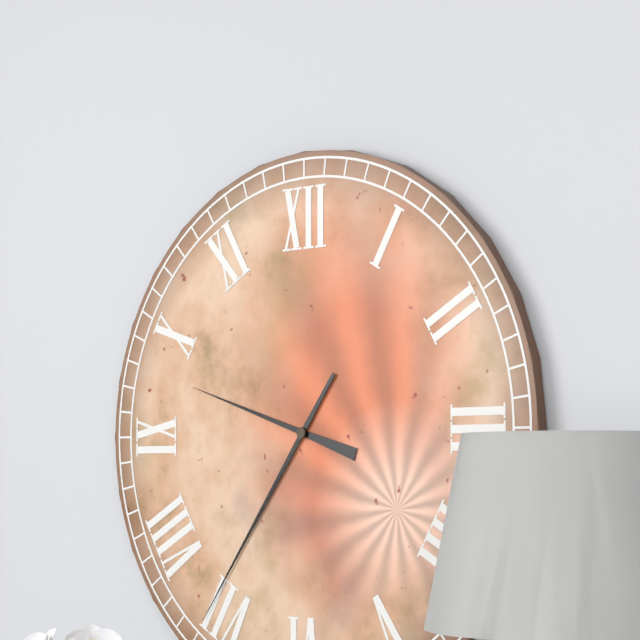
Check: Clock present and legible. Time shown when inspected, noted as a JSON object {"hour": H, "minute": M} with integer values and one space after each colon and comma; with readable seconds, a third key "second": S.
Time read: {"hour": 9, "minute": 36}
